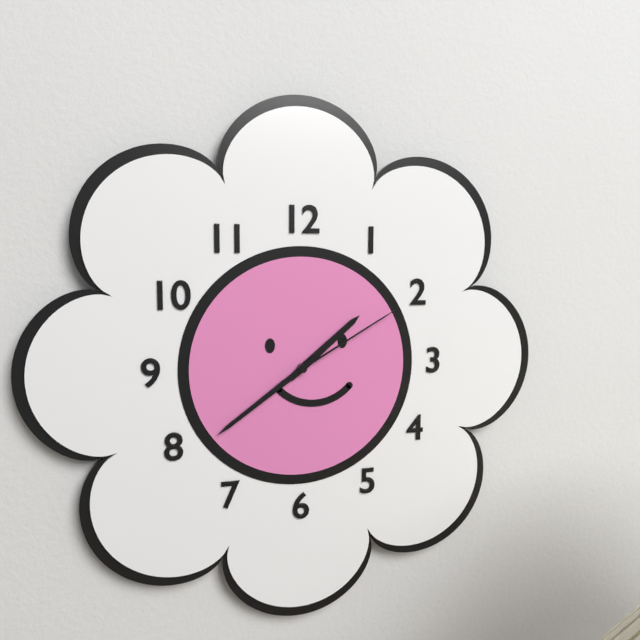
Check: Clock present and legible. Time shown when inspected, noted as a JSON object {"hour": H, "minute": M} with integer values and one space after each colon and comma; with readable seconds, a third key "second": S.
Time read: {"hour": 1, "minute": 39, "second": 10}
